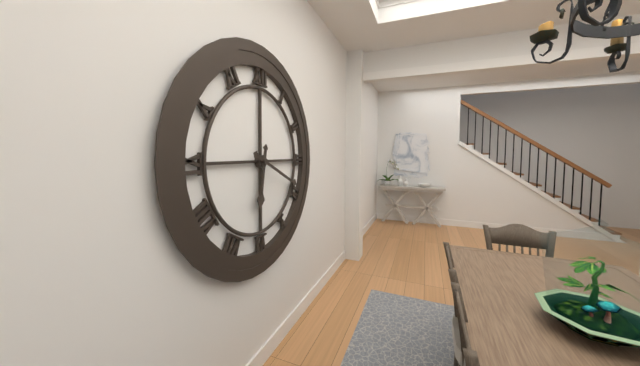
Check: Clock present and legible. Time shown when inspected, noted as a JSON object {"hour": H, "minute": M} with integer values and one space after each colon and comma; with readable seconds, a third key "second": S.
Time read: {"hour": 6, "minute": 19}
